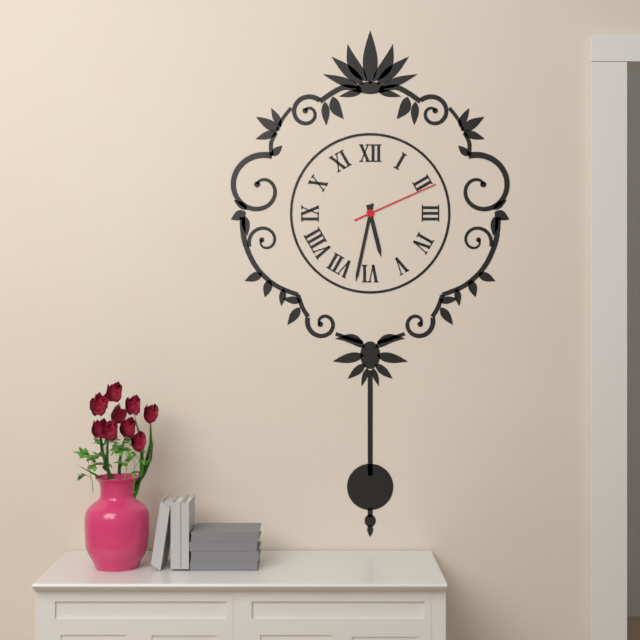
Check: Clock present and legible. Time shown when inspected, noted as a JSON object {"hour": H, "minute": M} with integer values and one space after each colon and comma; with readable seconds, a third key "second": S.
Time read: {"hour": 5, "minute": 32, "second": 11}
